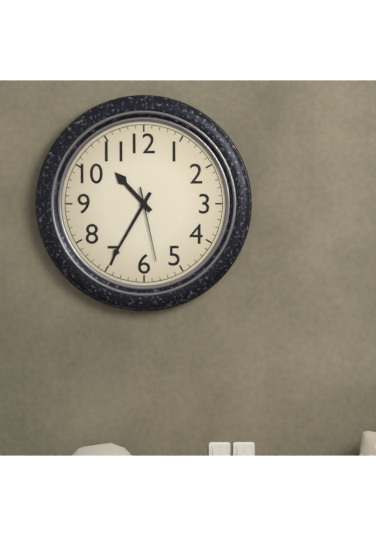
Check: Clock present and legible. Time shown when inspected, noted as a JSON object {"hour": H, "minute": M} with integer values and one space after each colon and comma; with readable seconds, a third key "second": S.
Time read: {"hour": 10, "minute": 35, "second": 28}
